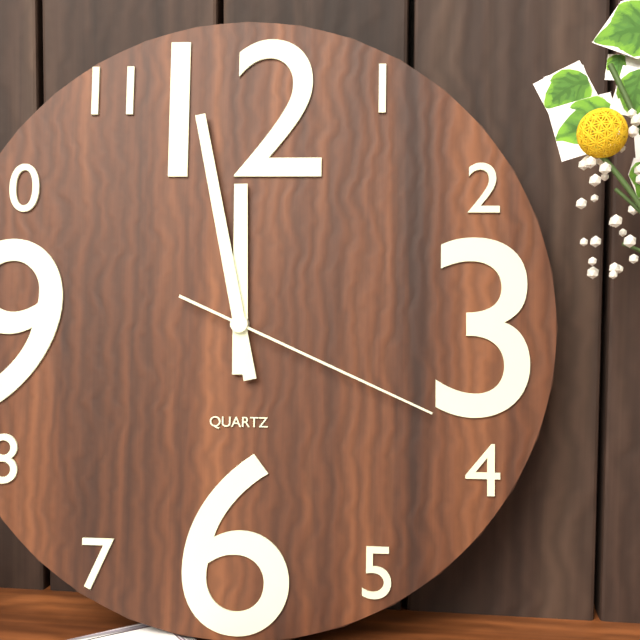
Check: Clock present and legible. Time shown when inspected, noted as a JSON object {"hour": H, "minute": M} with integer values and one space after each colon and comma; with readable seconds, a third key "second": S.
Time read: {"hour": 11, "minute": 58, "second": 19}
